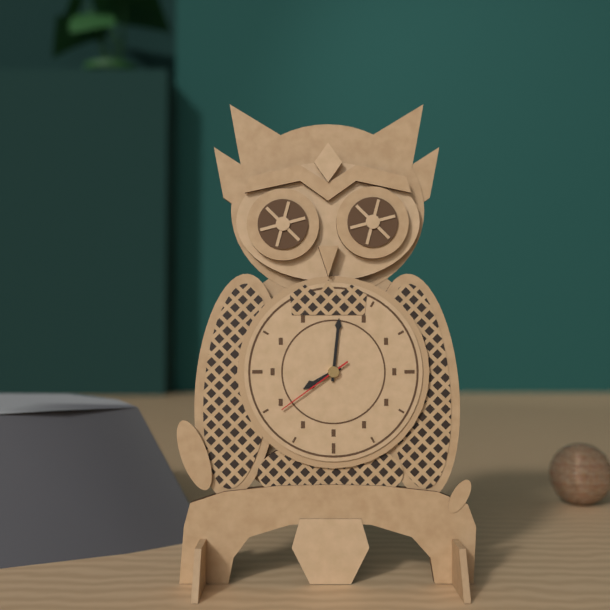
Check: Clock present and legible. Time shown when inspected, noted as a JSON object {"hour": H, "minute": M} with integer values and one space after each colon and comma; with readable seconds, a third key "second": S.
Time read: {"hour": 8, "minute": 1, "second": 39}
